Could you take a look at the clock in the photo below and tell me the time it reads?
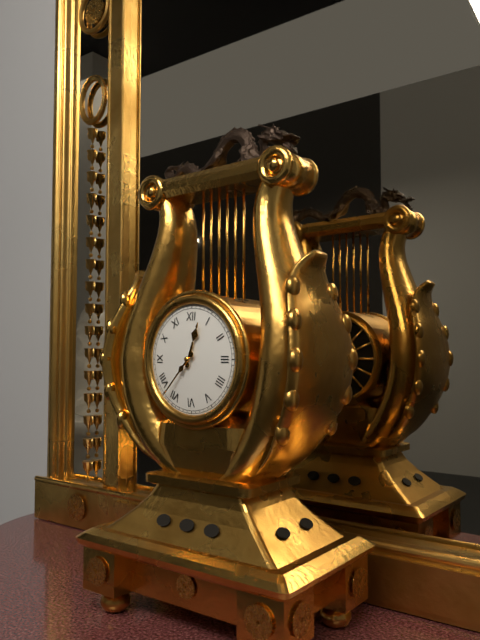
12:37
